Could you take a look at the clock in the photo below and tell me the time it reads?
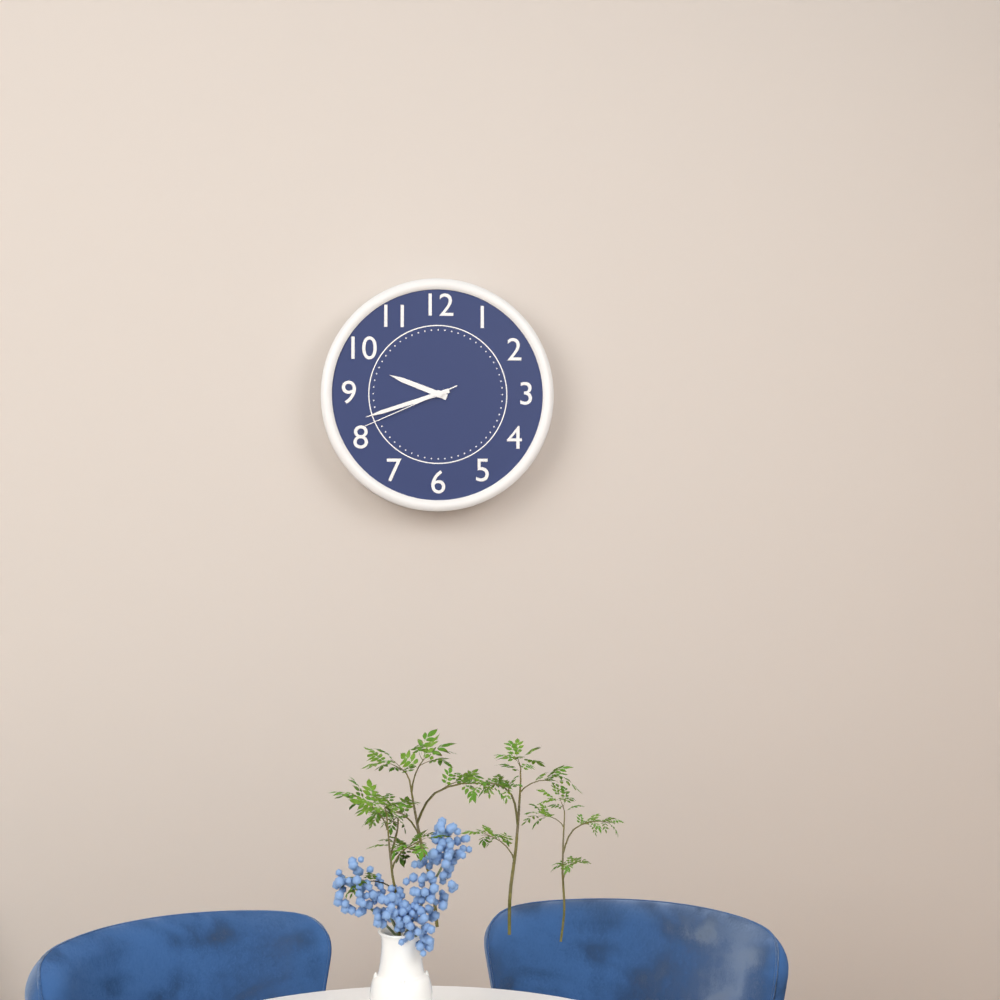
9:42:41
